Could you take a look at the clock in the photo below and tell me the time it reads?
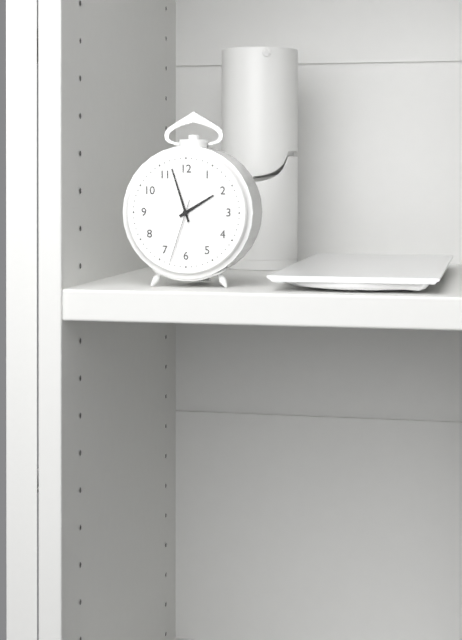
1:57:33
